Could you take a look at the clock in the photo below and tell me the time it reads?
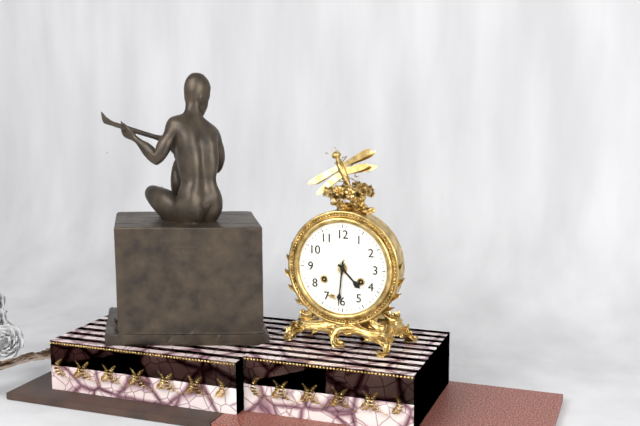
4:31
